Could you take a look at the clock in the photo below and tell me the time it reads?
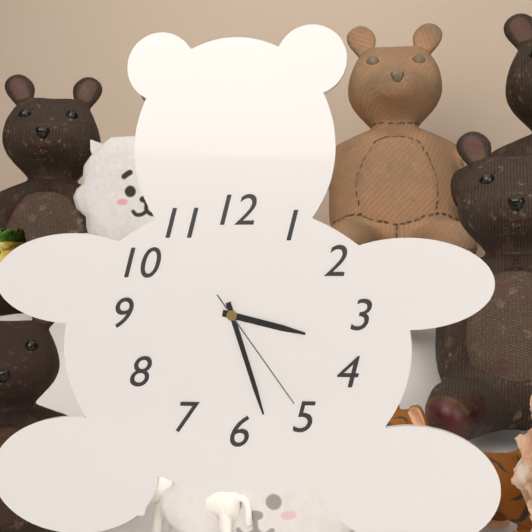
3:27:24
